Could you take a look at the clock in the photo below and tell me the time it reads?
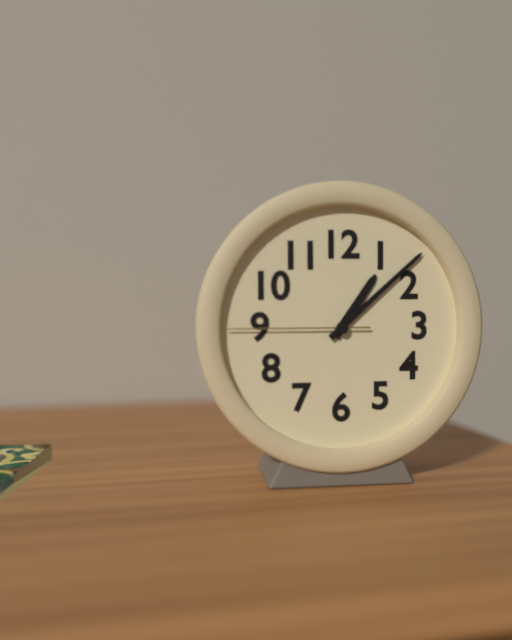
1:08:45
